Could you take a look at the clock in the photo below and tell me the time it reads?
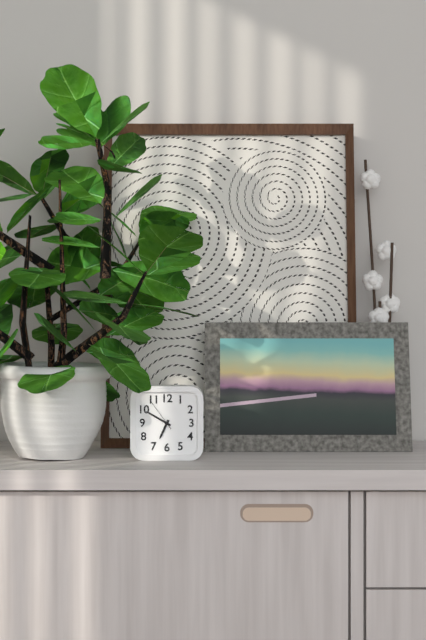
6:50
